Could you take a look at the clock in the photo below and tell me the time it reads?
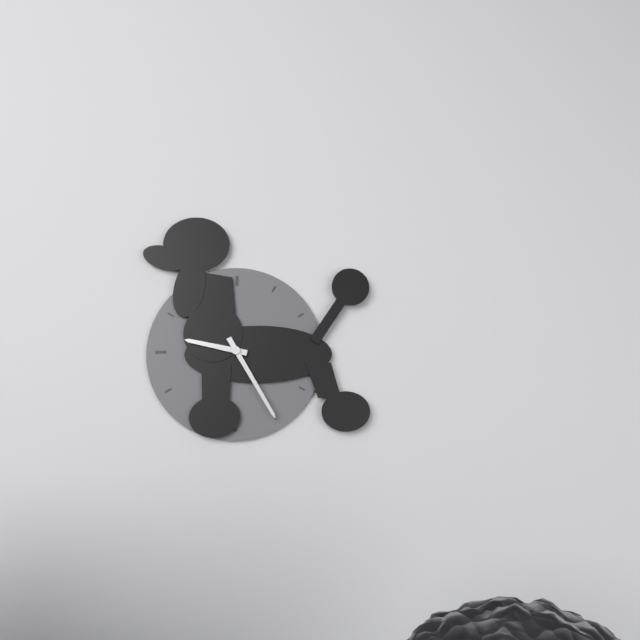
9:25
